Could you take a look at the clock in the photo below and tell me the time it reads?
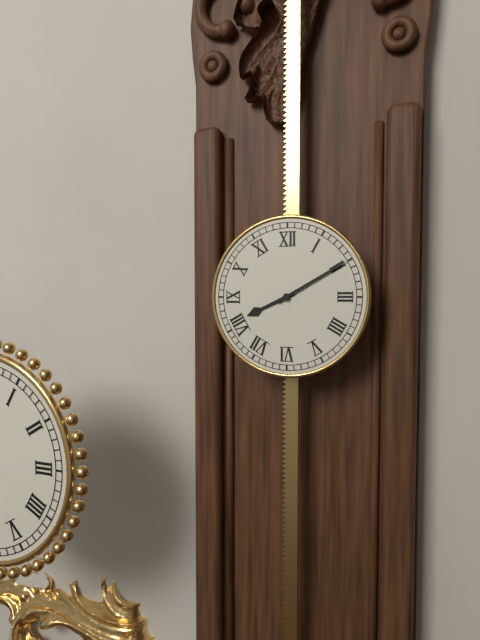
8:10
